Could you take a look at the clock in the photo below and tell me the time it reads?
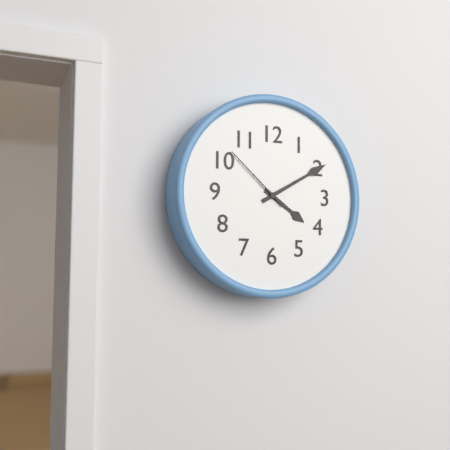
4:10:52
